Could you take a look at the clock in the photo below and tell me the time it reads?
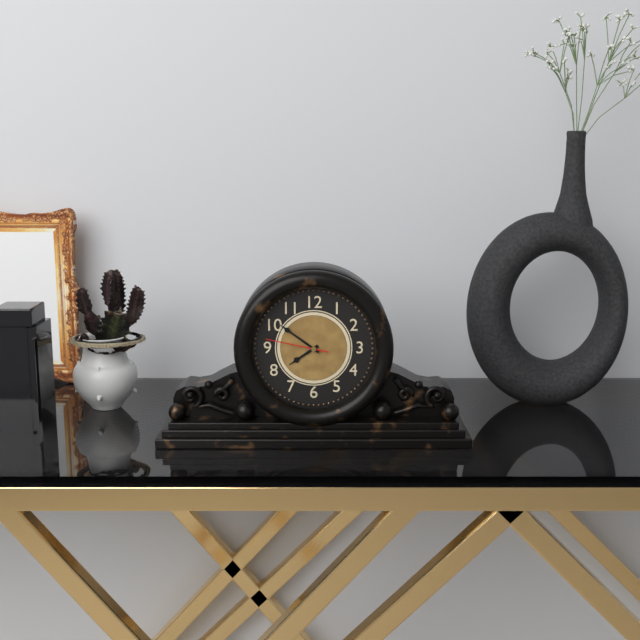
7:51:47
